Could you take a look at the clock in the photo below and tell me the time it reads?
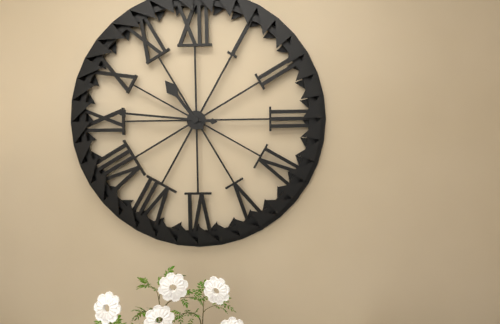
10:46
